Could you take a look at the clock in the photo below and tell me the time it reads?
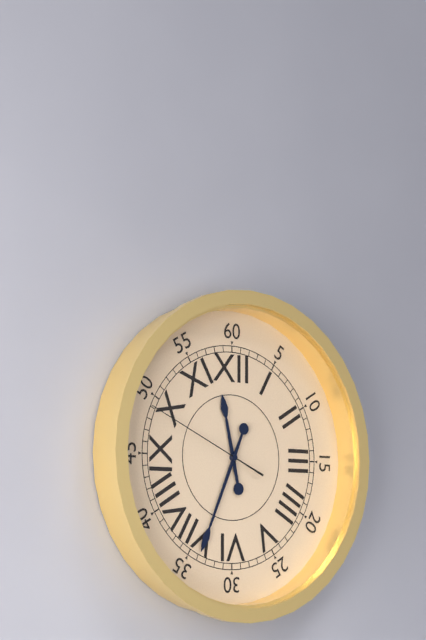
11:34:49
